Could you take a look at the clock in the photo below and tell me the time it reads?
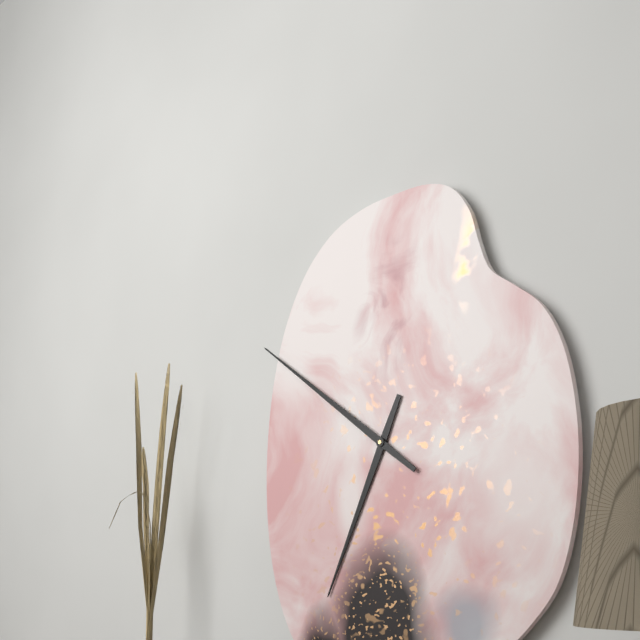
6:51
